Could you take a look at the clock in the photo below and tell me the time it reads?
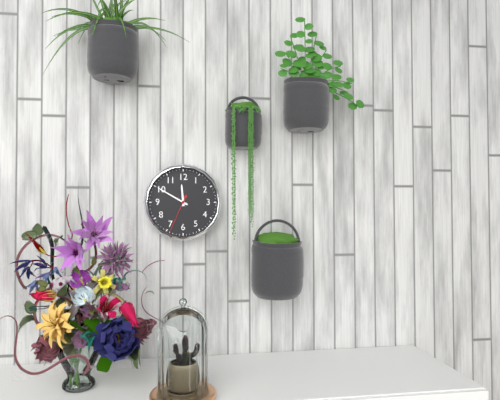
11:50
